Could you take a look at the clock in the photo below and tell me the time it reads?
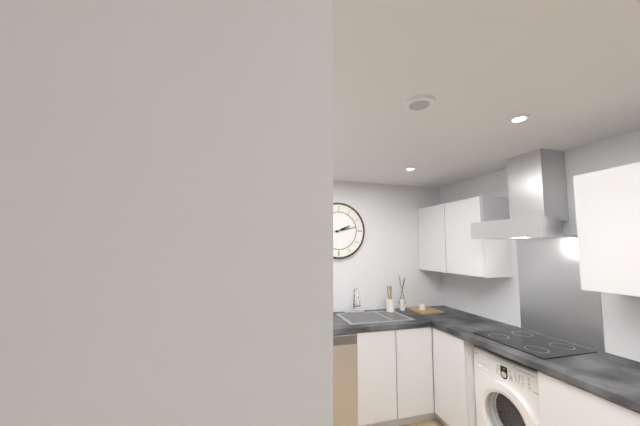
2:13
